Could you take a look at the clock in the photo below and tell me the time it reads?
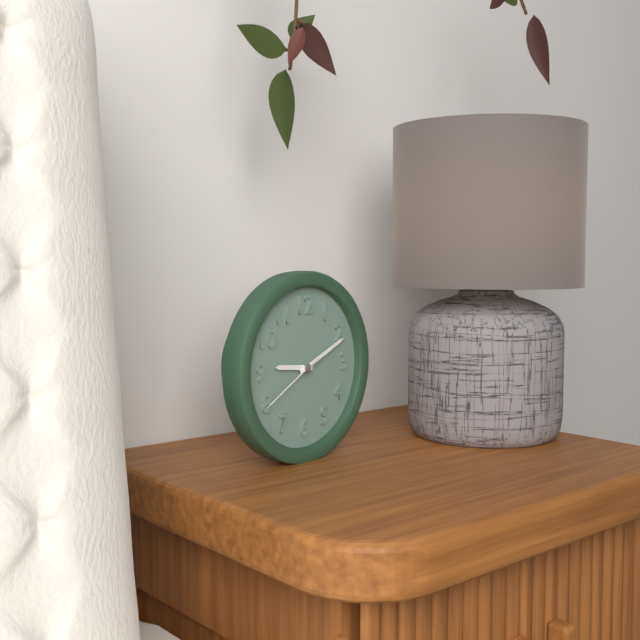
9:11:40
